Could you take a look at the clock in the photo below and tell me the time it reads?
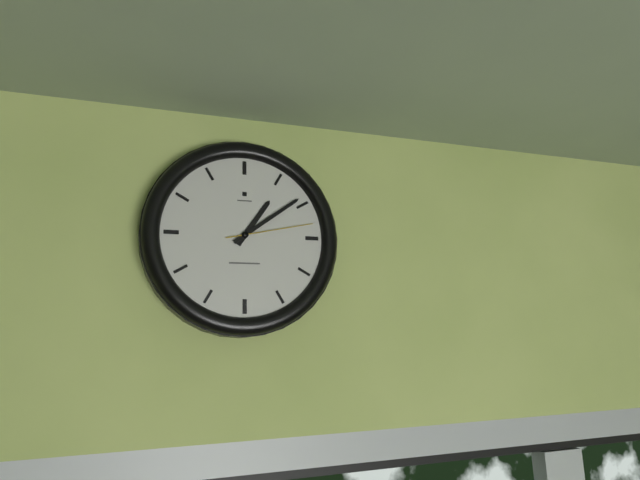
1:09:13
